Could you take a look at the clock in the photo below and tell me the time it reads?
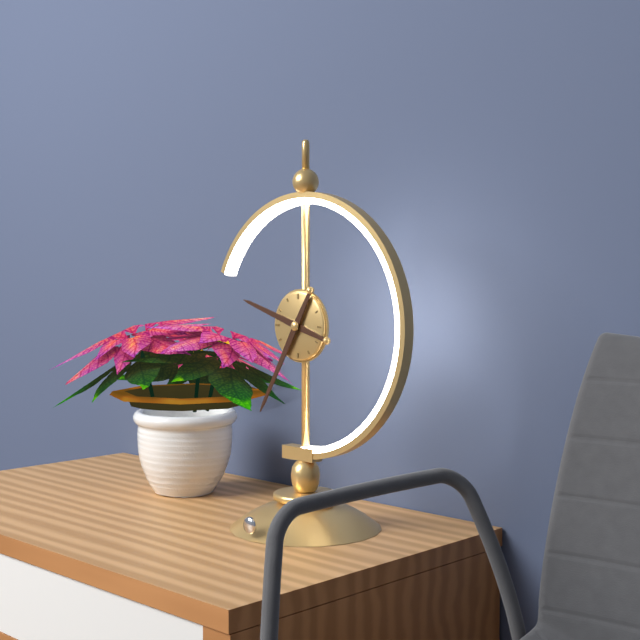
9:35
